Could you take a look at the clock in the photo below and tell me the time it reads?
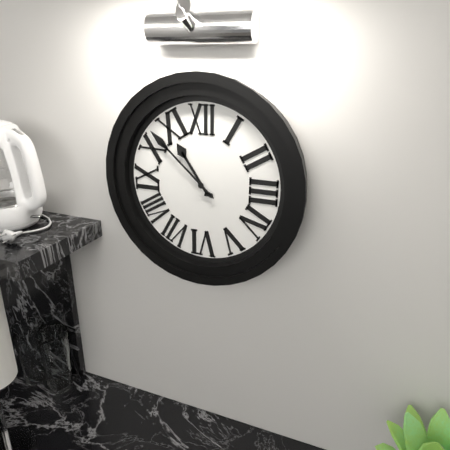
10:52
